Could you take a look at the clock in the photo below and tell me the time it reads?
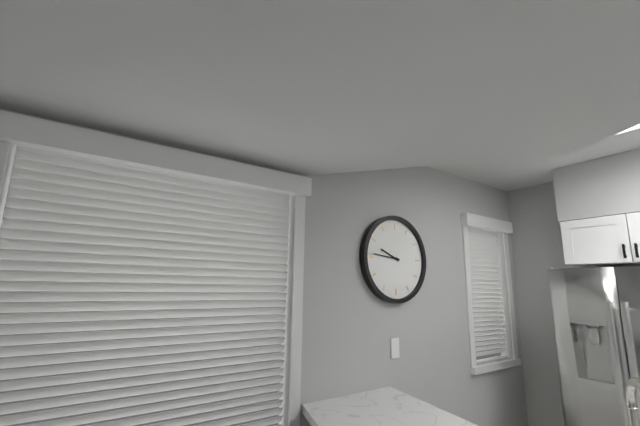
9:46
